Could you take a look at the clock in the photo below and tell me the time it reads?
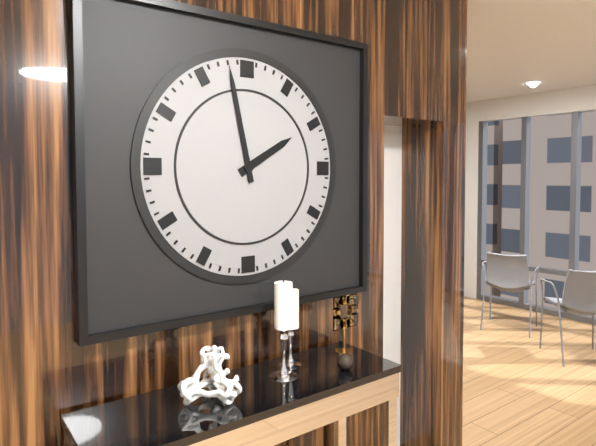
1:58
